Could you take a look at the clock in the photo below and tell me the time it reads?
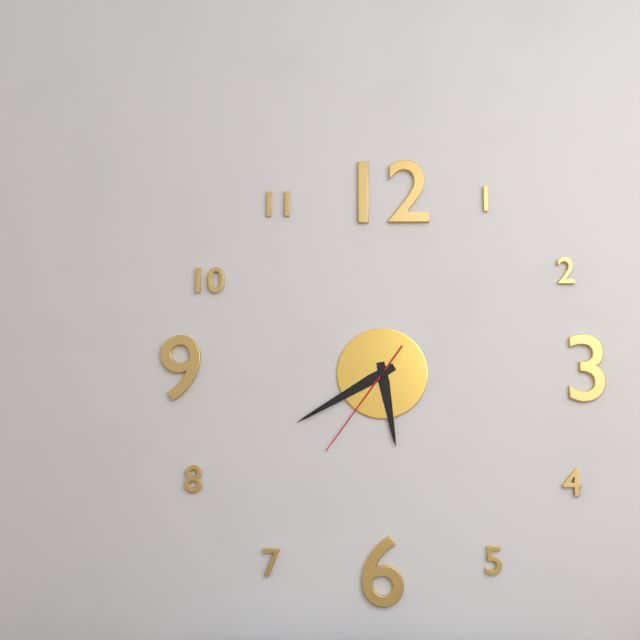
5:40:36
